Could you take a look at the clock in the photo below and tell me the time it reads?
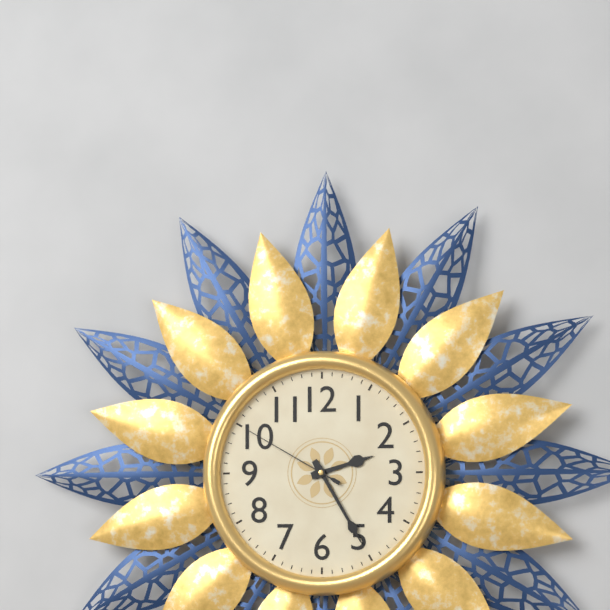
2:25:50
